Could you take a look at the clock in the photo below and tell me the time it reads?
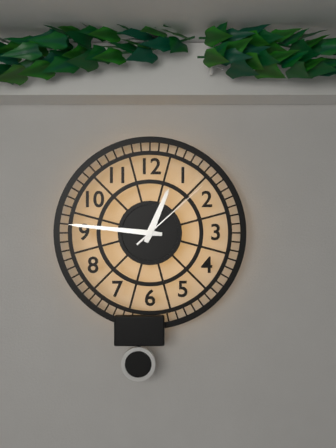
12:46:08
